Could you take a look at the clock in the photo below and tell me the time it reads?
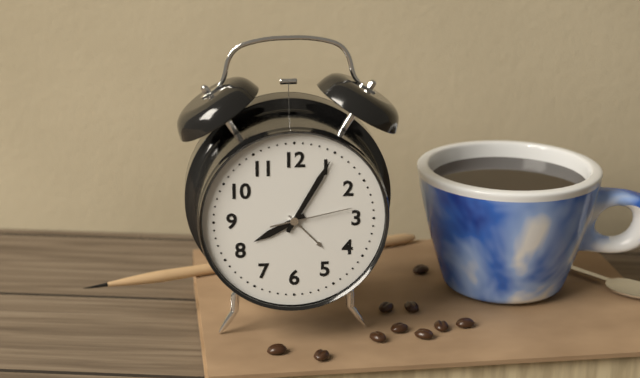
8:05:13
